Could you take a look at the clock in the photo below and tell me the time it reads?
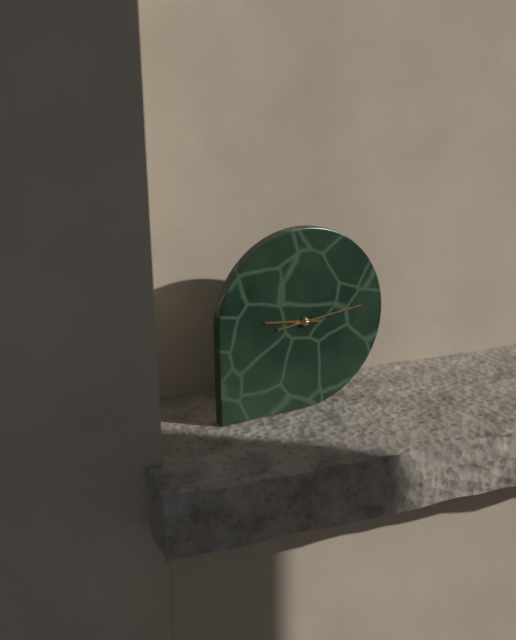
9:14
